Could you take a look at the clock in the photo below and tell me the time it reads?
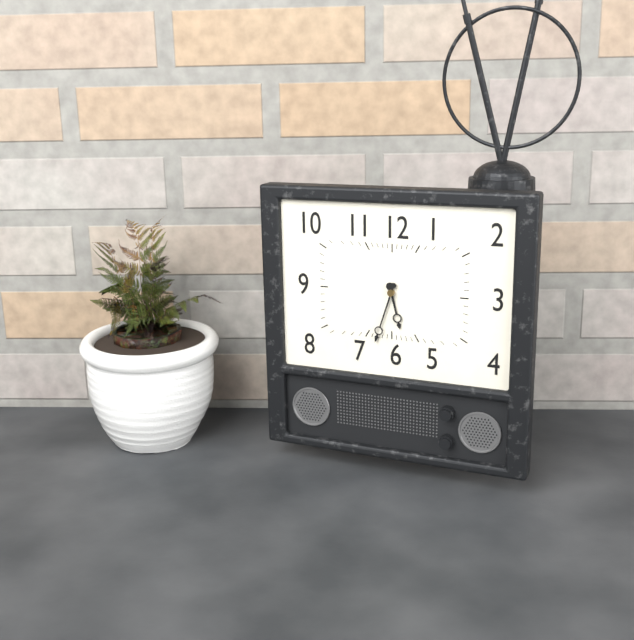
5:33
